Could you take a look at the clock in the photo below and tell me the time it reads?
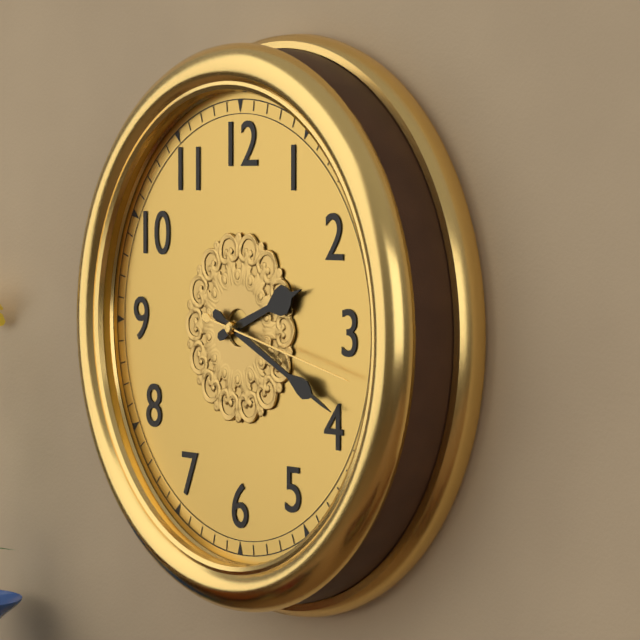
2:19:17
